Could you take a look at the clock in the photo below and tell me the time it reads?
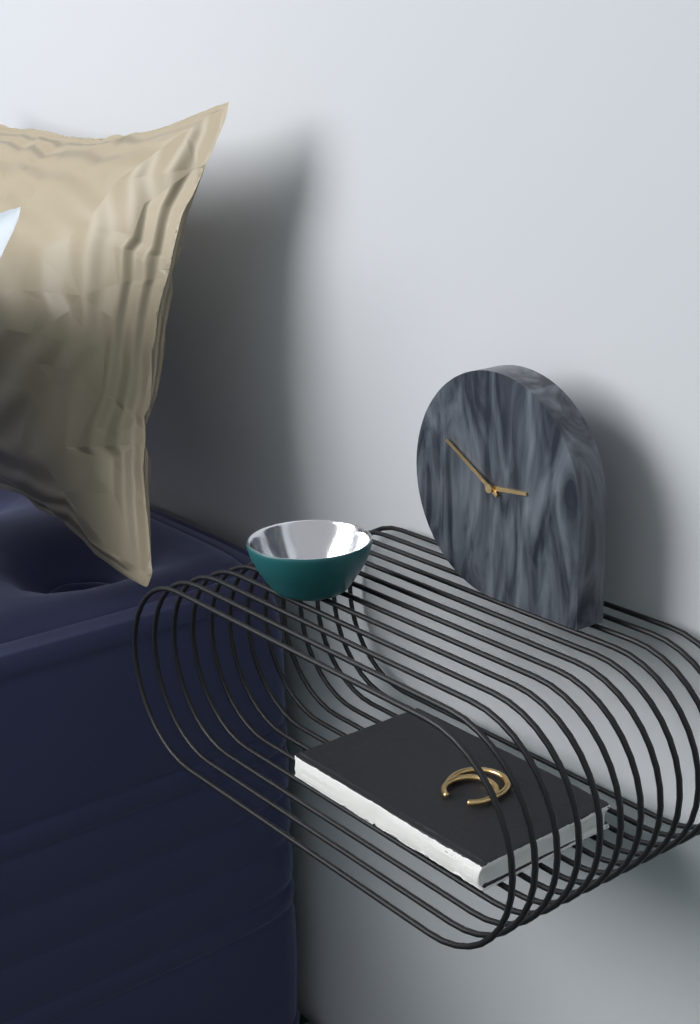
2:50
